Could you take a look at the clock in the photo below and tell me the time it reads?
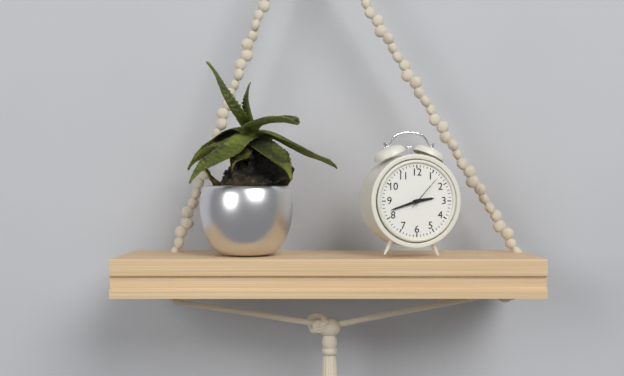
2:42
